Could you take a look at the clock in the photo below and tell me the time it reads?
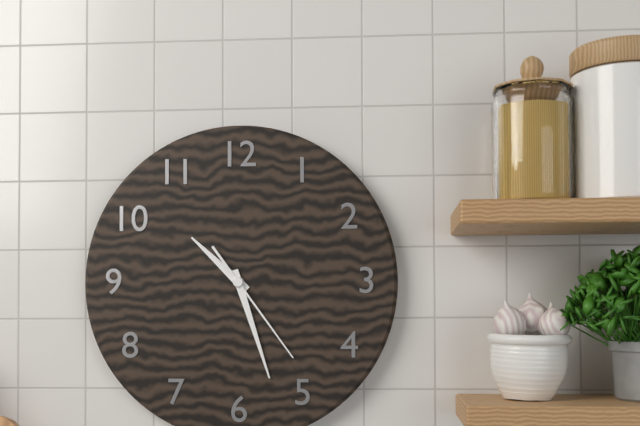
10:27:24
